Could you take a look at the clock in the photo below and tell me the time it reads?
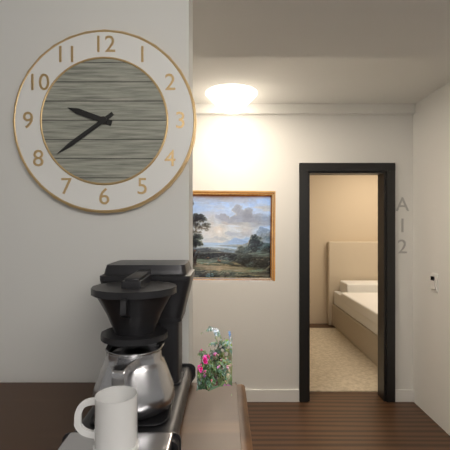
9:39
